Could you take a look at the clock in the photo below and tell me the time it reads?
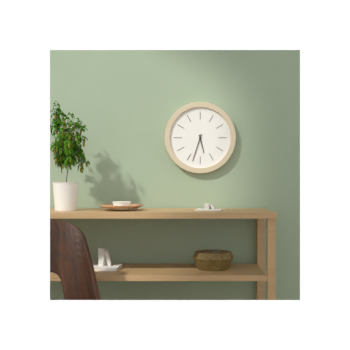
5:33
